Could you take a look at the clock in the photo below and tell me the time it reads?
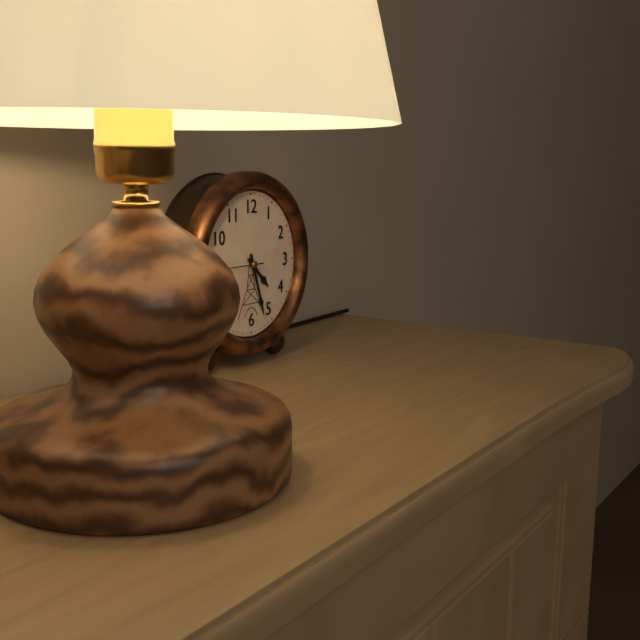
4:27
